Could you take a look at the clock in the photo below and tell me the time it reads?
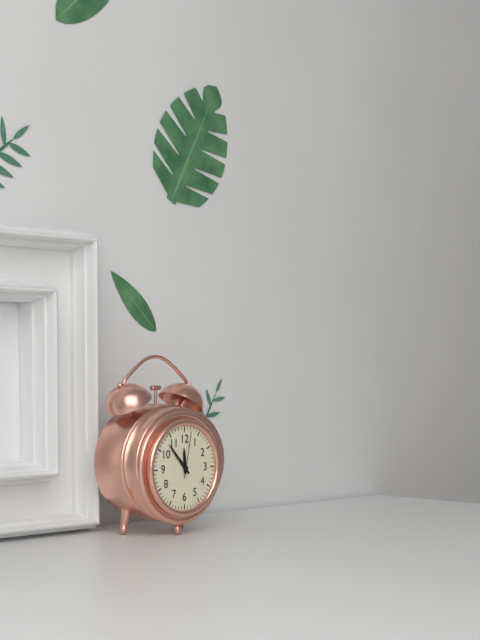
11:53
